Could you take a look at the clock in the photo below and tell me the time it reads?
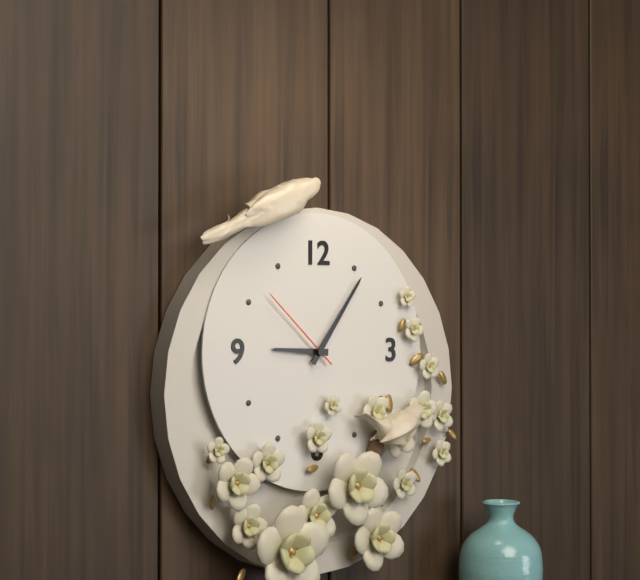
9:06:52
